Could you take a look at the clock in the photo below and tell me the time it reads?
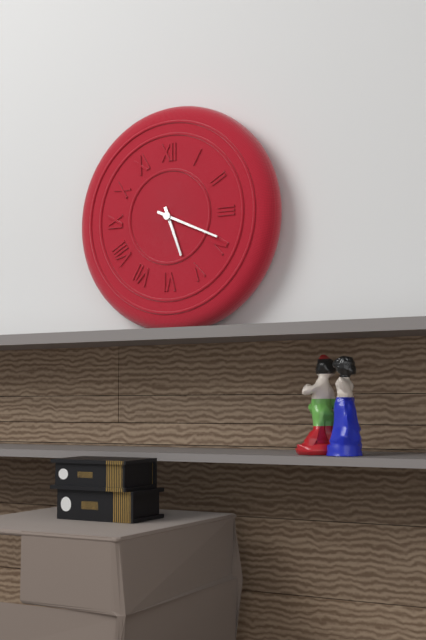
5:19
